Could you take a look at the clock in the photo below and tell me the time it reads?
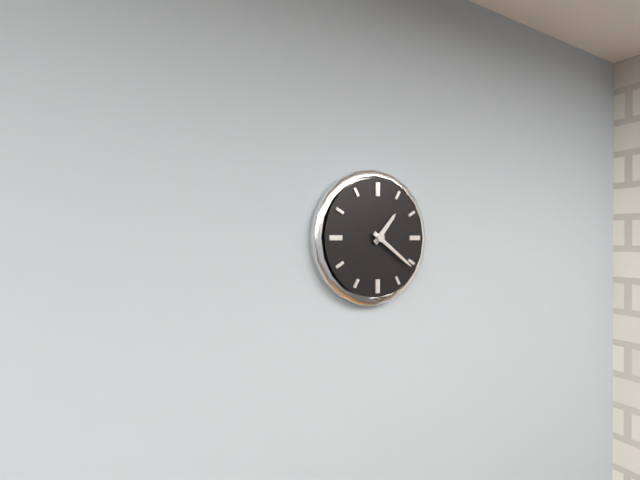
1:21
